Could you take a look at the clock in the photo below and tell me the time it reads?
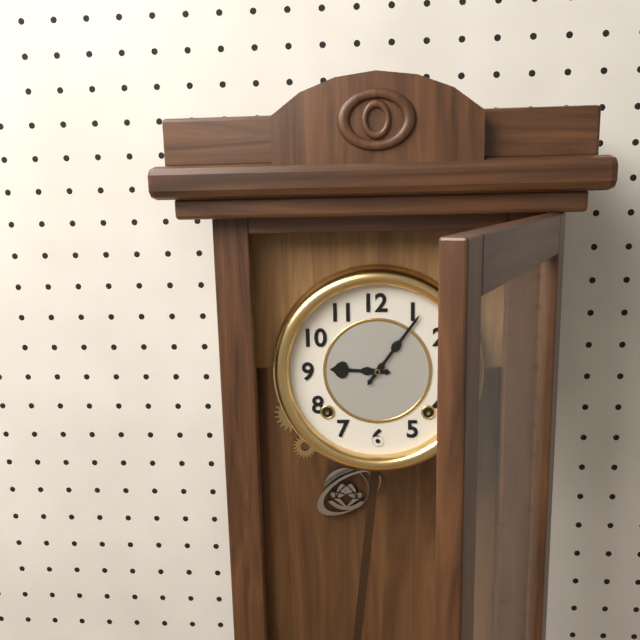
9:06
